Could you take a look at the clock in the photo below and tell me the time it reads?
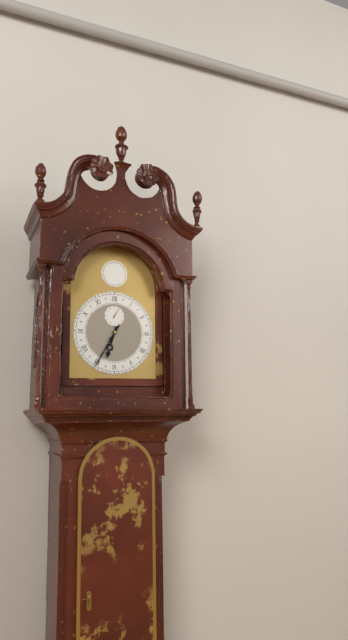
6:35
